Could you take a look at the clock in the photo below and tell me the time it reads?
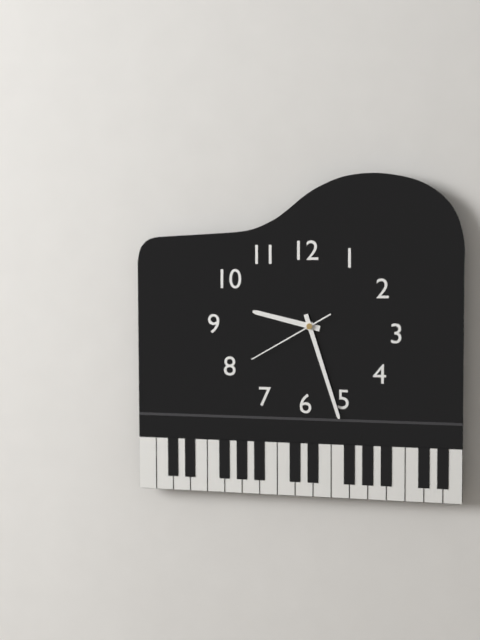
9:27:40
